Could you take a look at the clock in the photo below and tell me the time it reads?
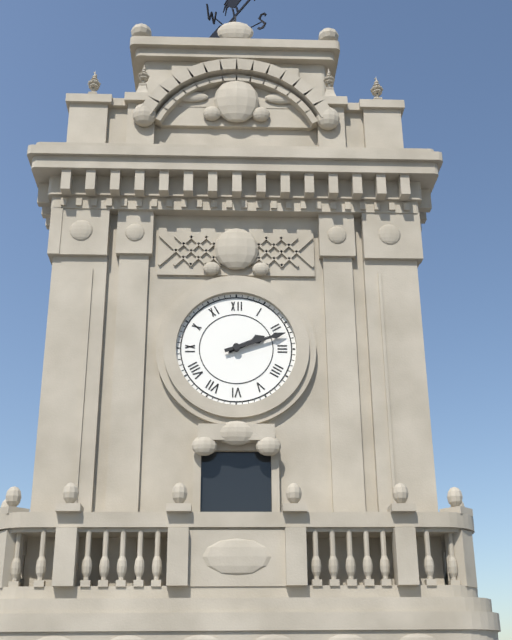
2:12
